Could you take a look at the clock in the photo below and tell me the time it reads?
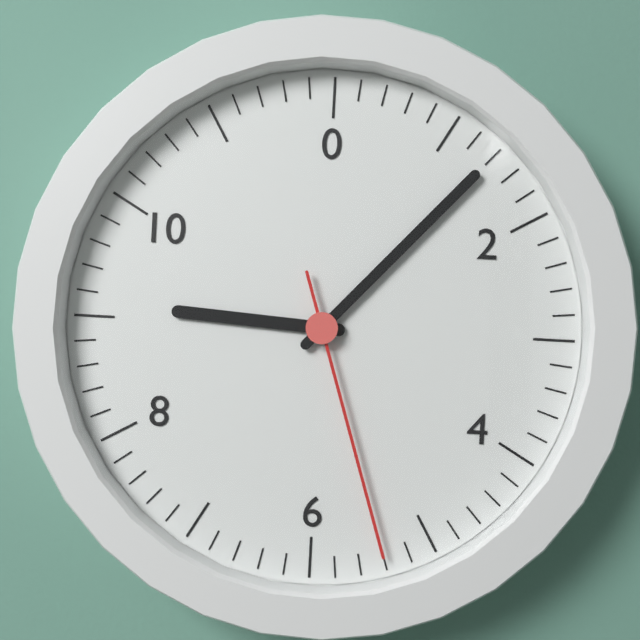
9:07:27
